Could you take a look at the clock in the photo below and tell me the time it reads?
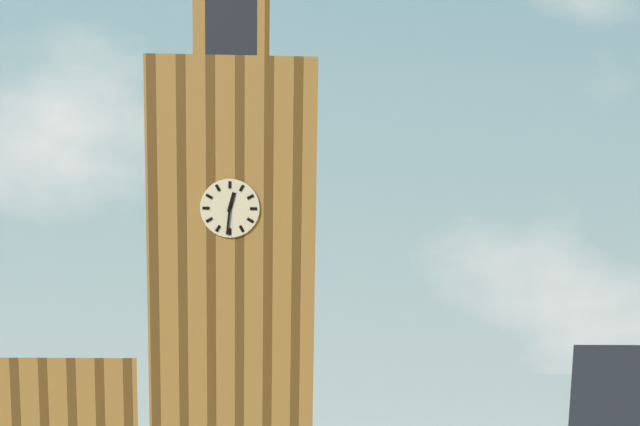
12:31
